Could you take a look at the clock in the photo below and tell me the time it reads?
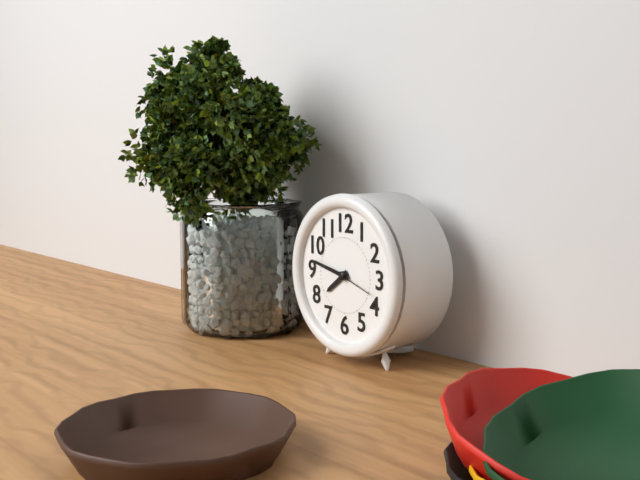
7:47
